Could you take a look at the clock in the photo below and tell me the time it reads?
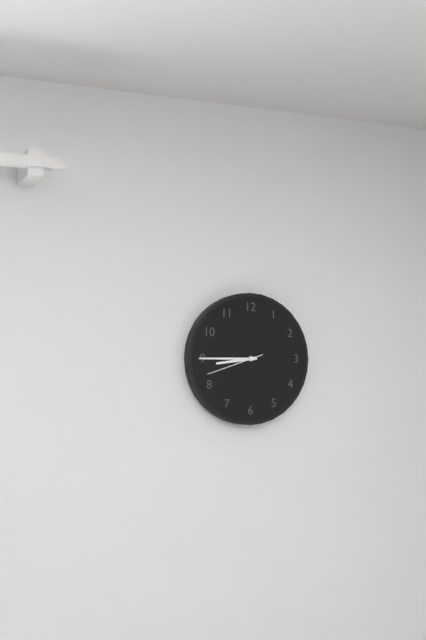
8:45:42
